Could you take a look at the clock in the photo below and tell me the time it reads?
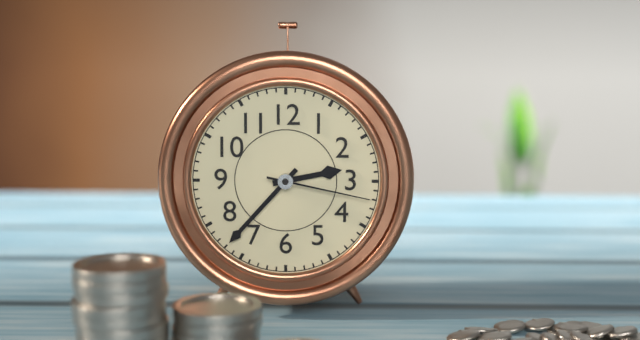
2:37:17
